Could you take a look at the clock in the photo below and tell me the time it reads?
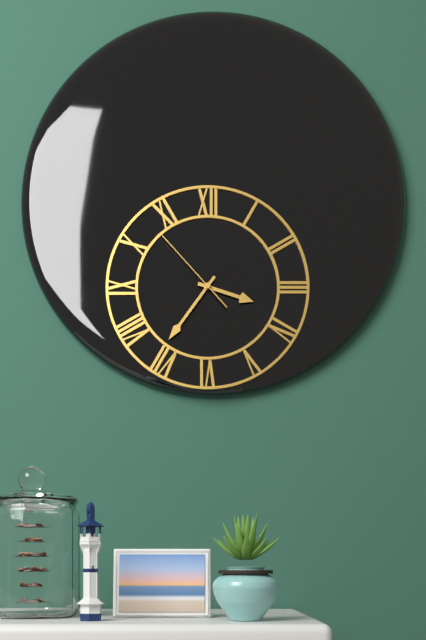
3:36:53
